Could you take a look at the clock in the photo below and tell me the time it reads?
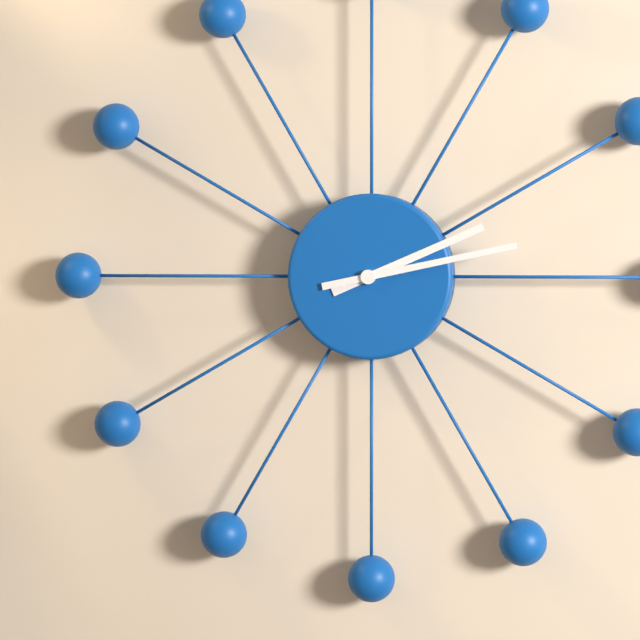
2:13
